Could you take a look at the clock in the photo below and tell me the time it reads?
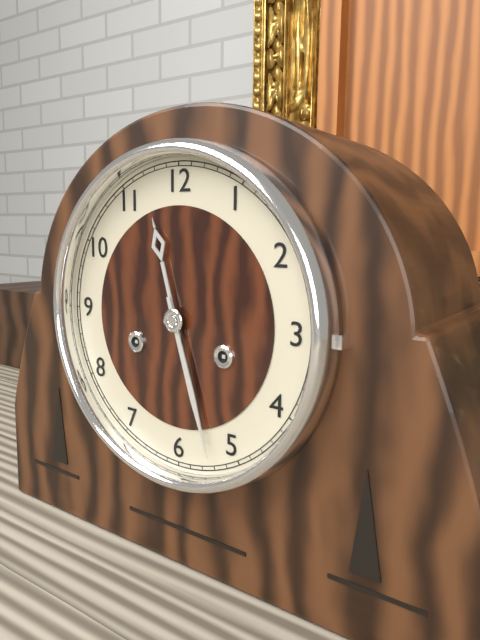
11:27
